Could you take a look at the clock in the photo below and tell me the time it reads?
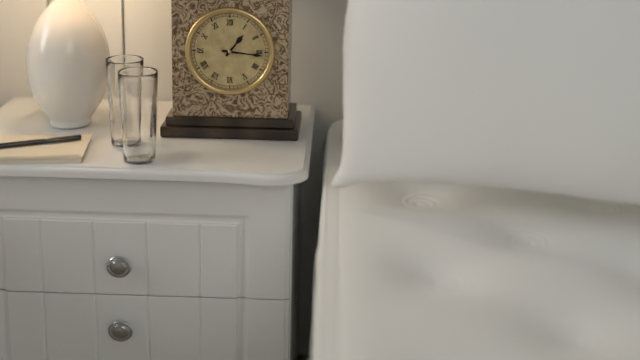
1:16
